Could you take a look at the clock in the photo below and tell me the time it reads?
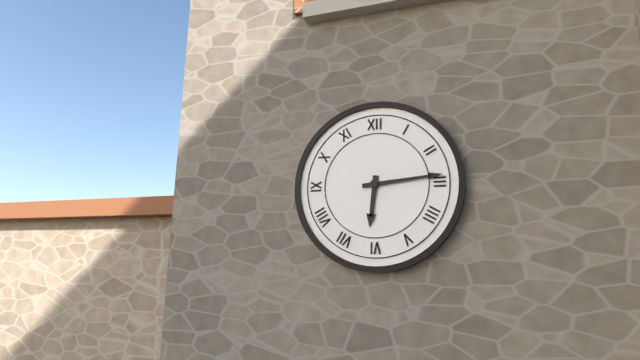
6:14
